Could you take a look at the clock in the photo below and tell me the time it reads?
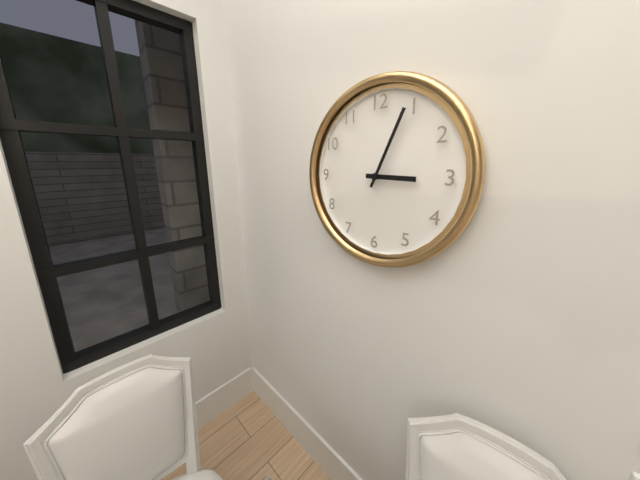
3:04
